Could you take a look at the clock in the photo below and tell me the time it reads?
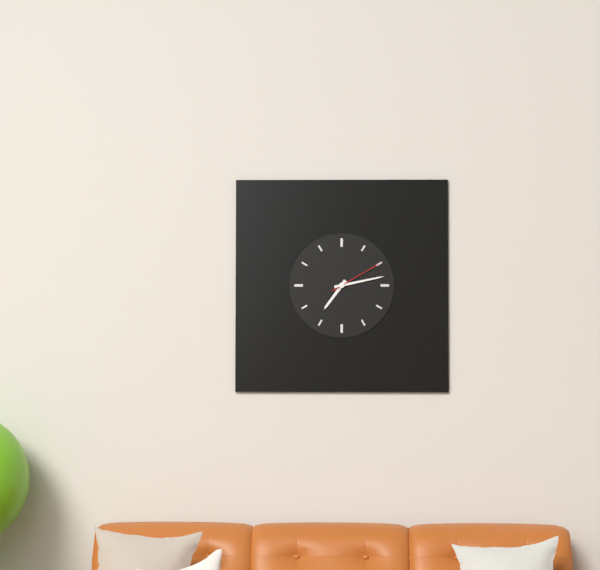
7:13:10
